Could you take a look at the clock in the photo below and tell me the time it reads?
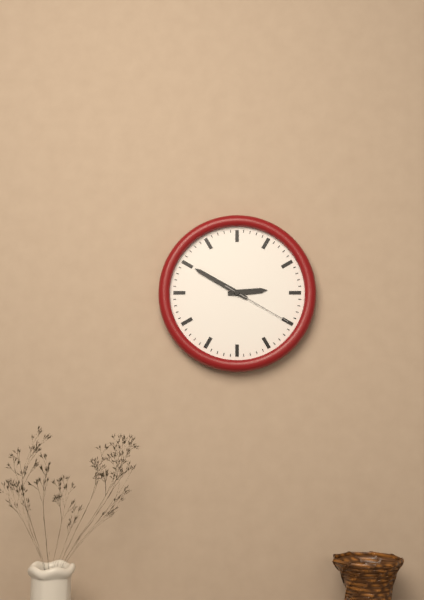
2:50:20
